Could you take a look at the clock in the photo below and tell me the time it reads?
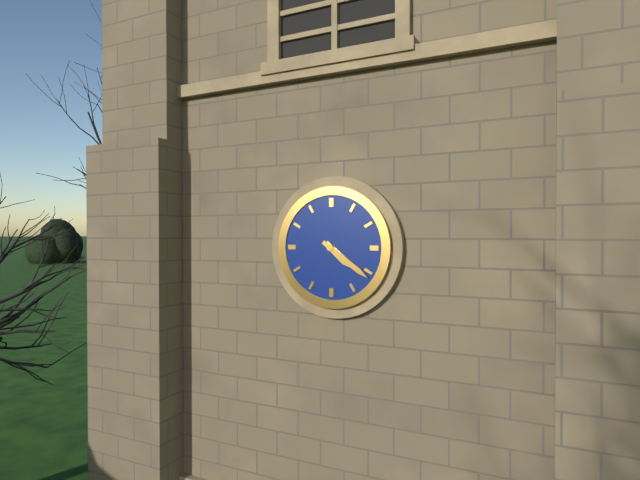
4:21
